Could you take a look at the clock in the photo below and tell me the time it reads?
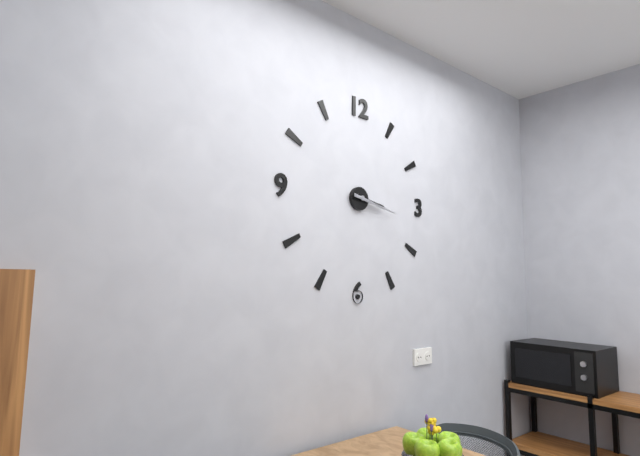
3:17
